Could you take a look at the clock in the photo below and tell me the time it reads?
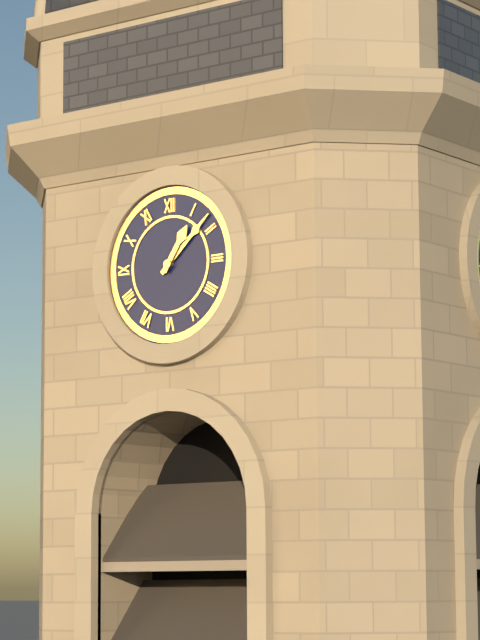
1:08
